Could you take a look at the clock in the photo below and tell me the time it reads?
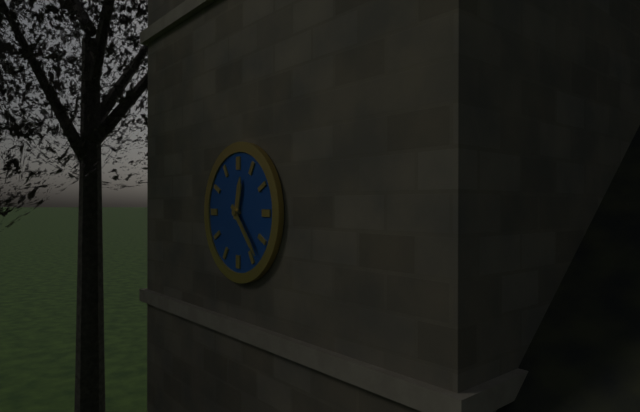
12:23
